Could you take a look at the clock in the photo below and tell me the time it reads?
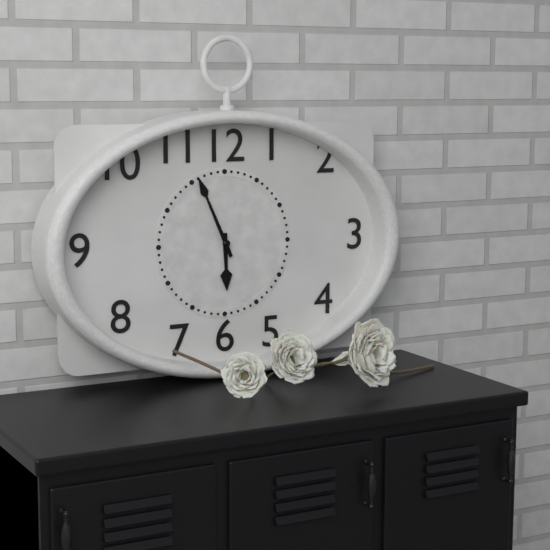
5:56
